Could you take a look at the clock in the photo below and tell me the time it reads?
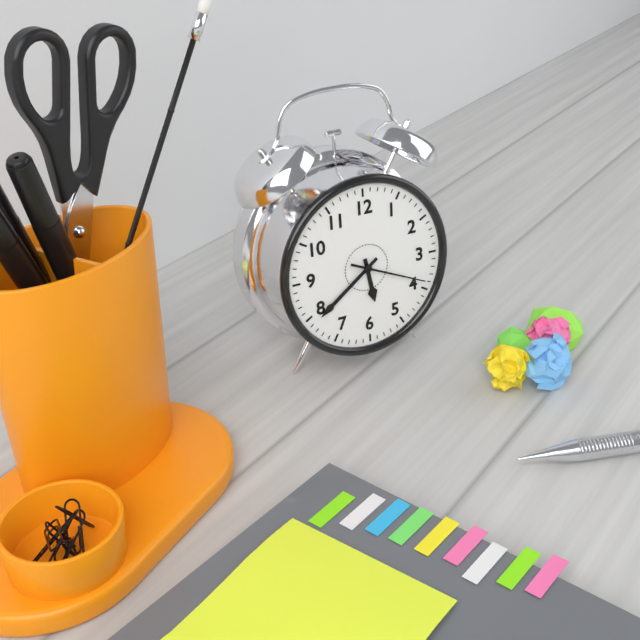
5:39:19
